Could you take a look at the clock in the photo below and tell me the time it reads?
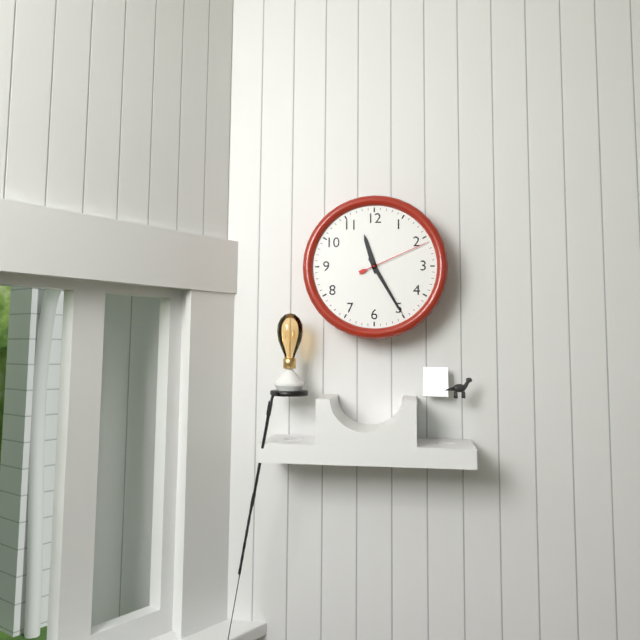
11:25:11
